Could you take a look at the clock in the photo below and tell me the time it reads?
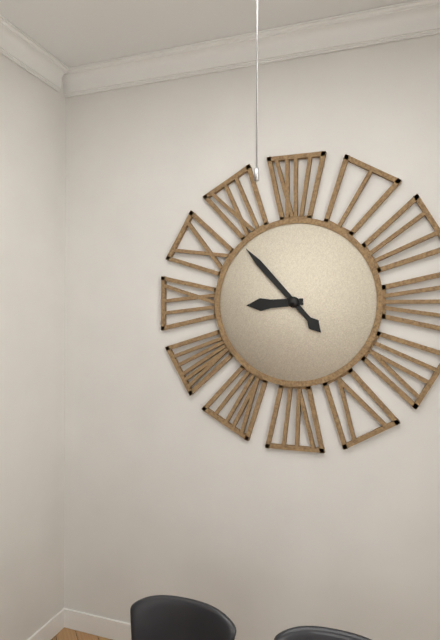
8:53
